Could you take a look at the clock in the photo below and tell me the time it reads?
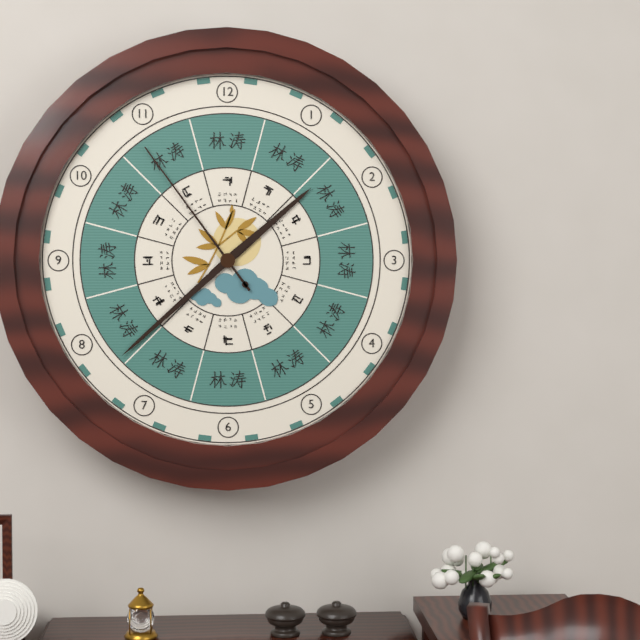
1:38:54
